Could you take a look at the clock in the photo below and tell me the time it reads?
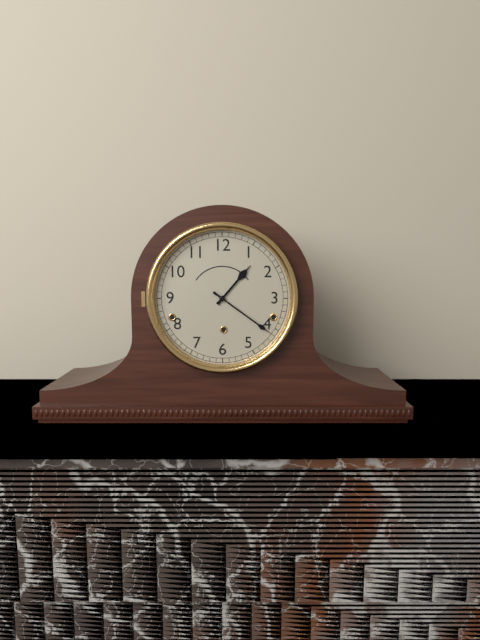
1:21
